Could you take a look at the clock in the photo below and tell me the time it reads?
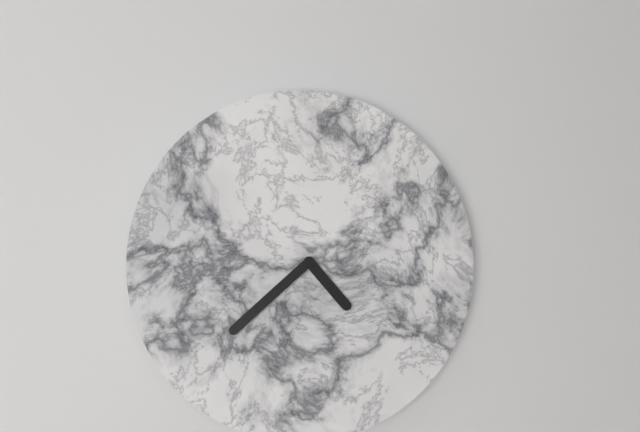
4:38
